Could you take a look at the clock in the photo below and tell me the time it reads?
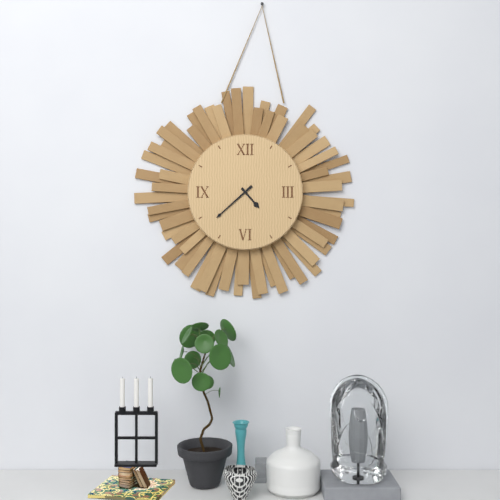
4:38
